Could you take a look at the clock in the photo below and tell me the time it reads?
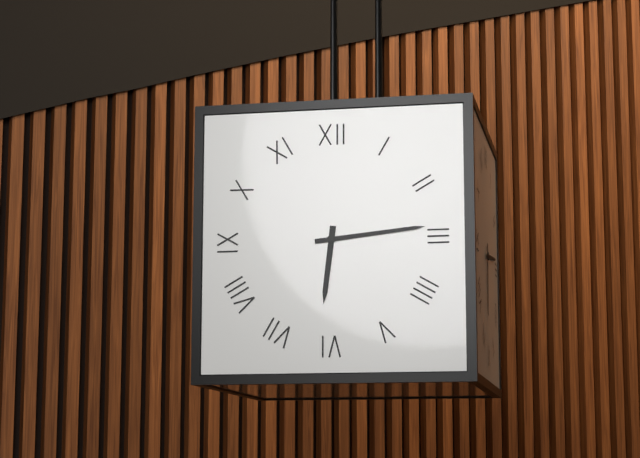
6:14
